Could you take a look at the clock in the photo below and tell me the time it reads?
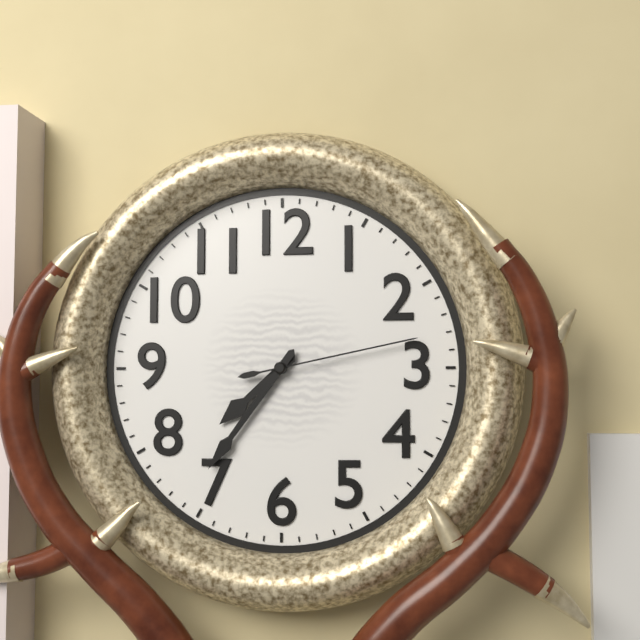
7:36:13
